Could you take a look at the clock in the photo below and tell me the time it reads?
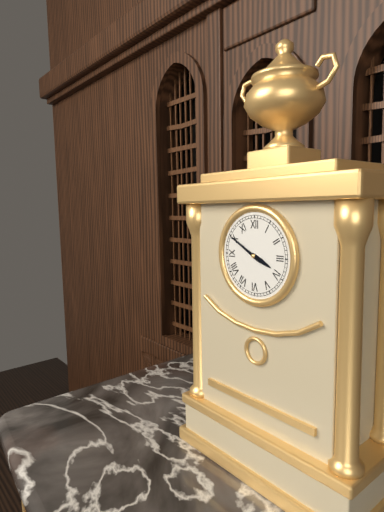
3:50
